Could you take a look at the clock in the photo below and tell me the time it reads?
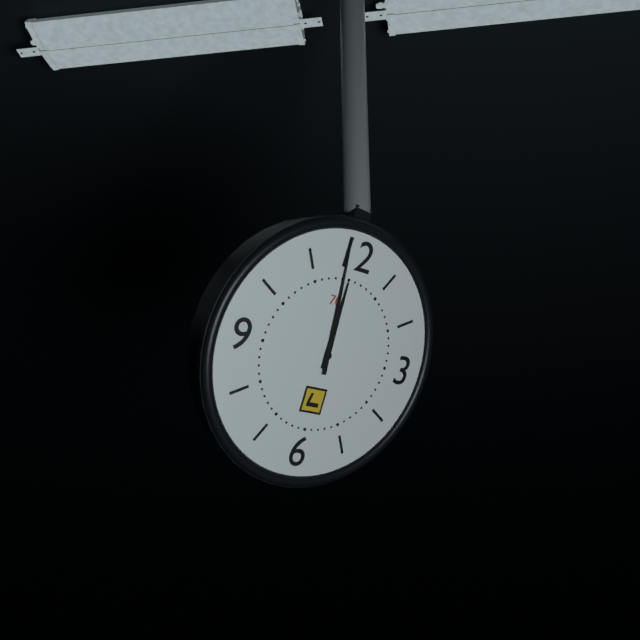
11:59
